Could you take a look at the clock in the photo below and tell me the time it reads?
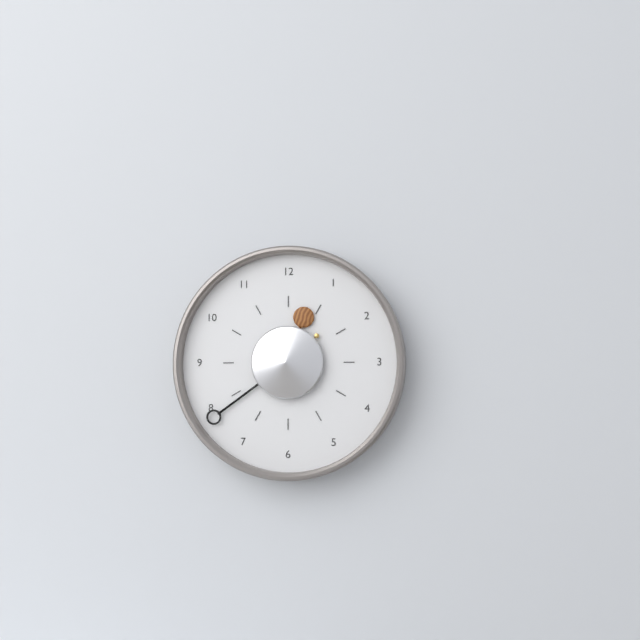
12:39
